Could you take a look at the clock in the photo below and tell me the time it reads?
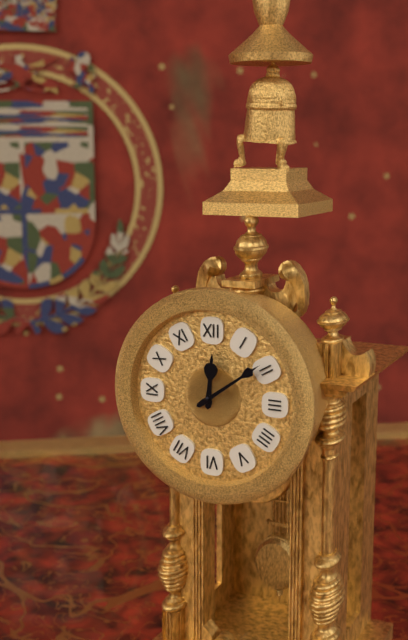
12:09
